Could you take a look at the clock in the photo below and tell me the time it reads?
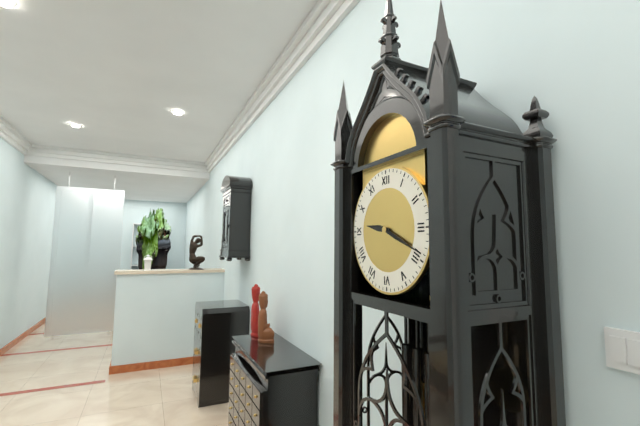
9:19
